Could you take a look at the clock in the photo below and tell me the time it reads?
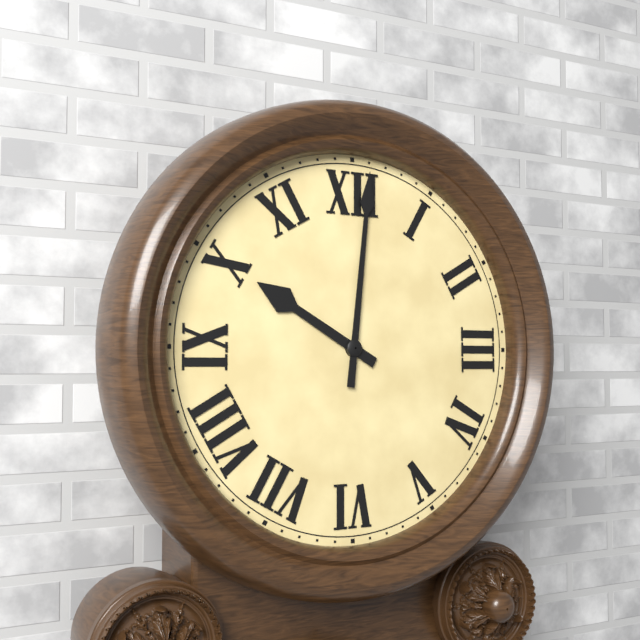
10:01
